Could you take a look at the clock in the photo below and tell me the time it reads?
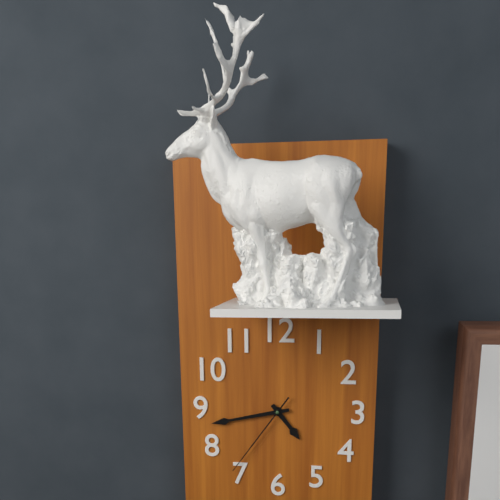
4:43:36
